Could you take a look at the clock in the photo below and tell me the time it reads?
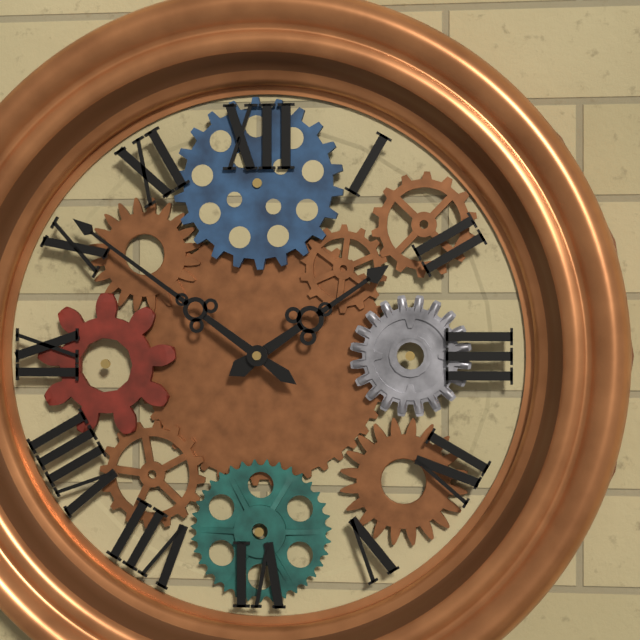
1:51
